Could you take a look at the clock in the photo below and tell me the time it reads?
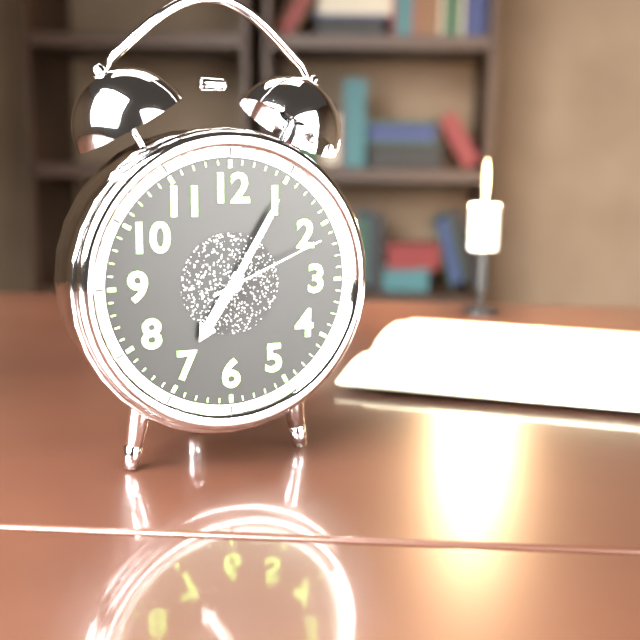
7:05:11
